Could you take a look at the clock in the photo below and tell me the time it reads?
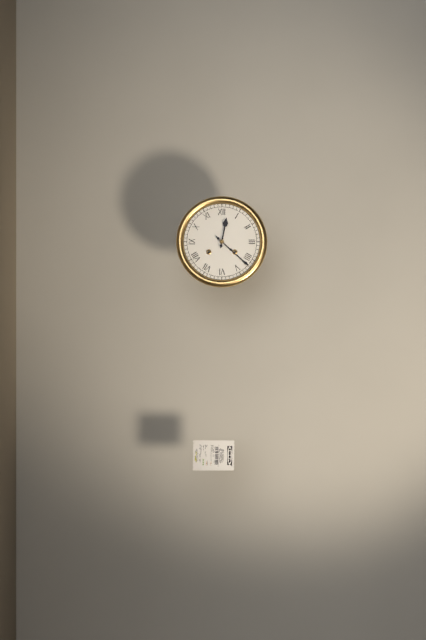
12:22
